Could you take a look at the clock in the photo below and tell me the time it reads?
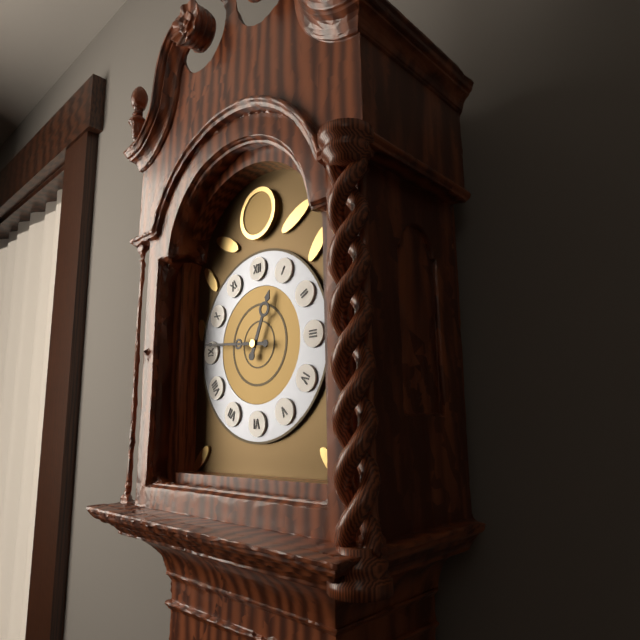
12:46
